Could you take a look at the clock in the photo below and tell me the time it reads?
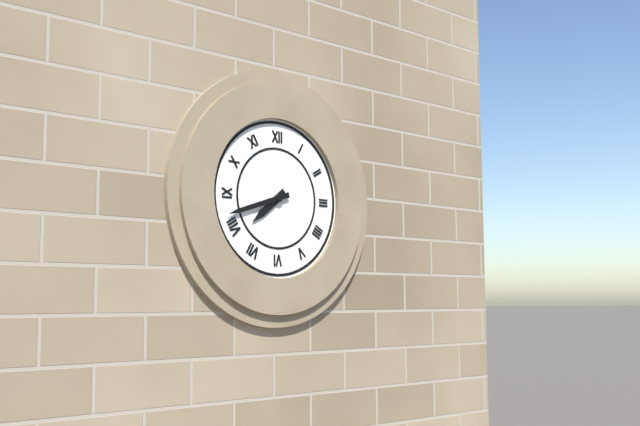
7:42
